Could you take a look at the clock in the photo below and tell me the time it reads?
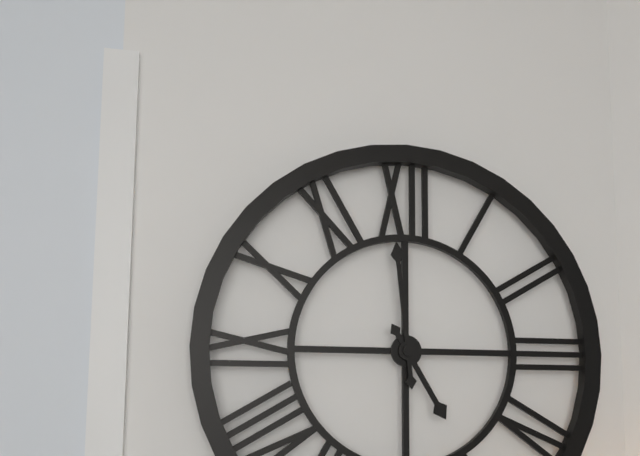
4:59
